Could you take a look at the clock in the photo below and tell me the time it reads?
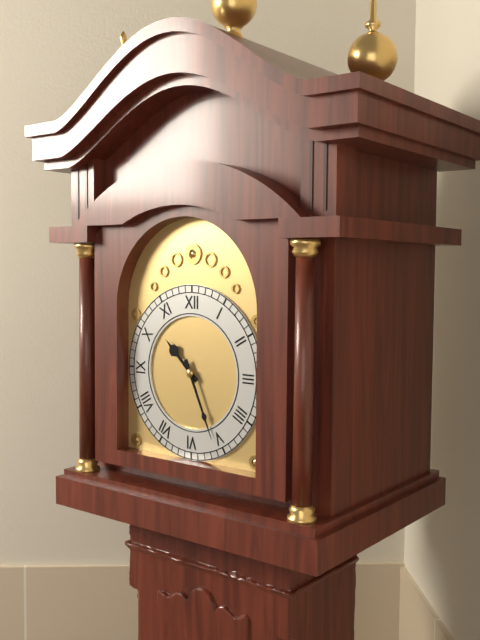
10:26
